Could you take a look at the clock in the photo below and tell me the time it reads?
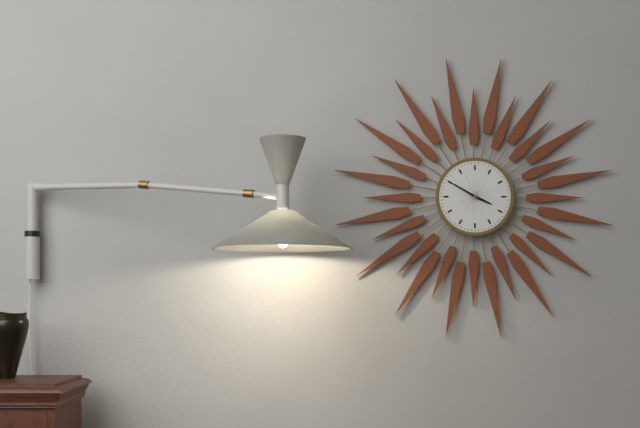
3:50
